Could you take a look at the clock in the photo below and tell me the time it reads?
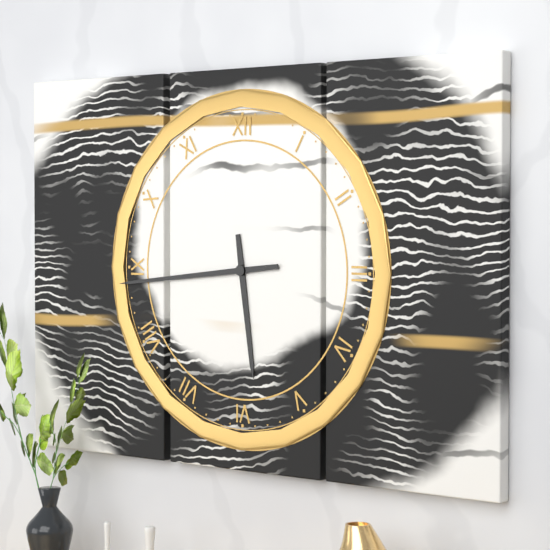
5:44
